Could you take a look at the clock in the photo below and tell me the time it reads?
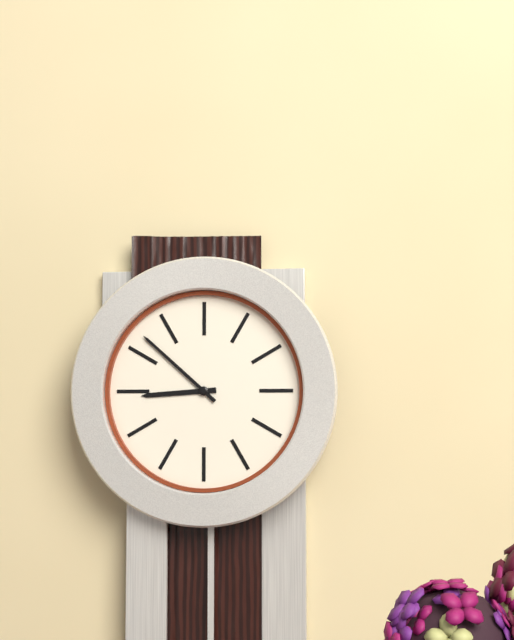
8:52
